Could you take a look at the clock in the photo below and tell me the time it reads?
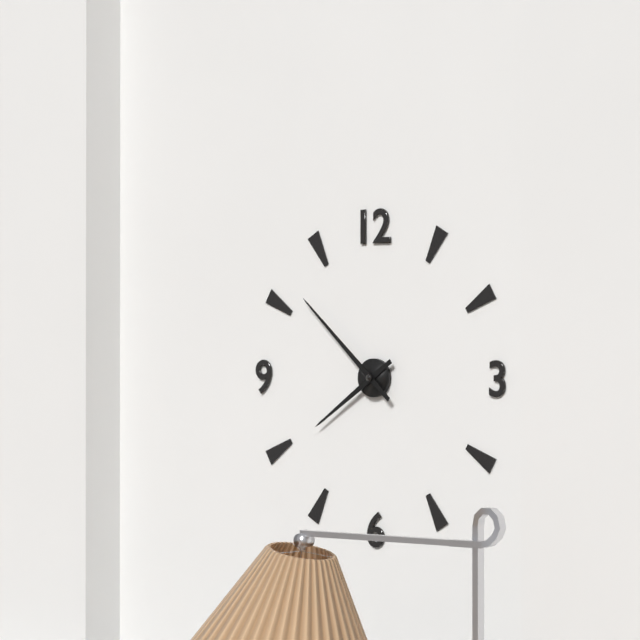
7:52
